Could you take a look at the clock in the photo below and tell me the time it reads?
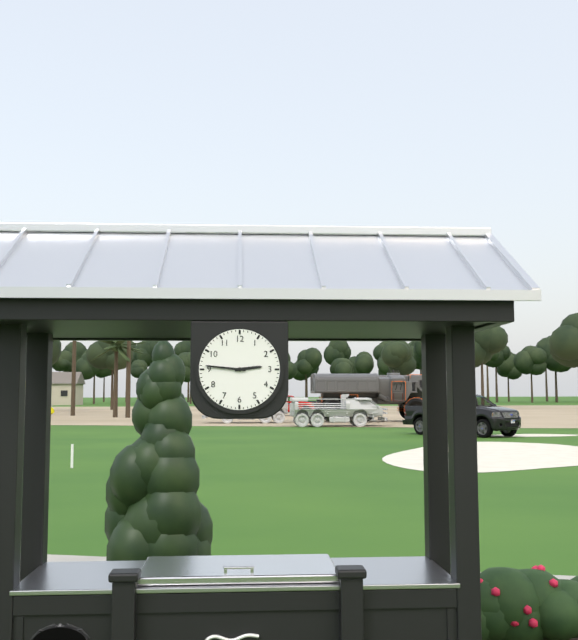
2:46
